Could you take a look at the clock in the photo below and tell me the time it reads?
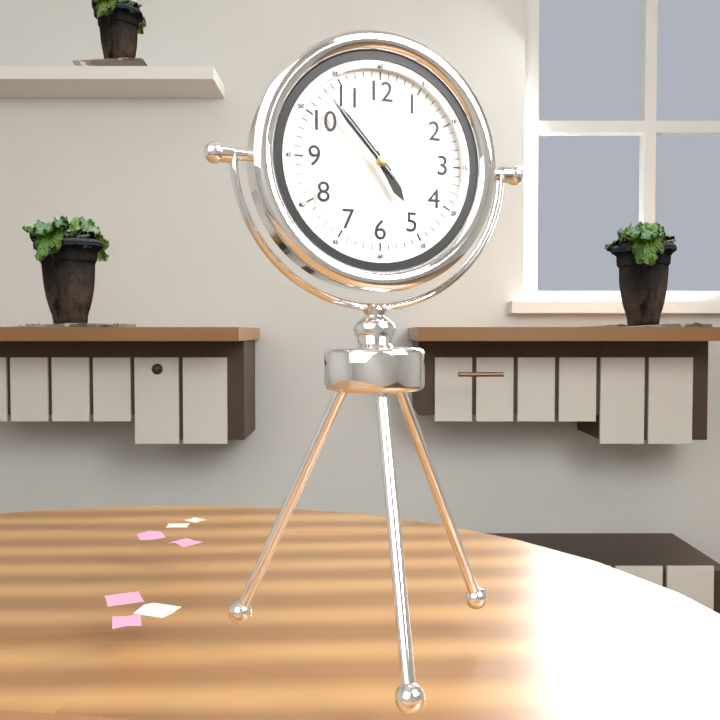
4:53:53
